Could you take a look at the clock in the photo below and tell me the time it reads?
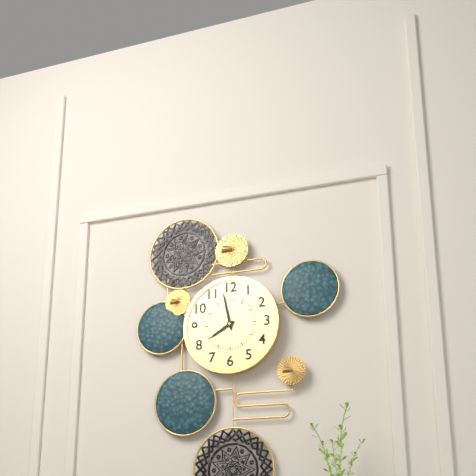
7:58
